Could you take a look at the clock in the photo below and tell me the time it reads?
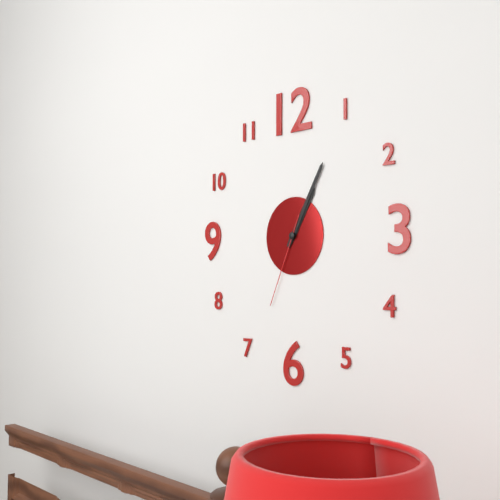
1:05:34
